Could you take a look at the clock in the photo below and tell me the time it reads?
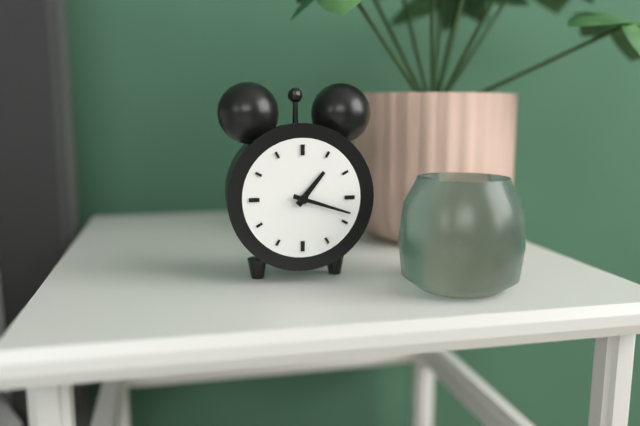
1:18
